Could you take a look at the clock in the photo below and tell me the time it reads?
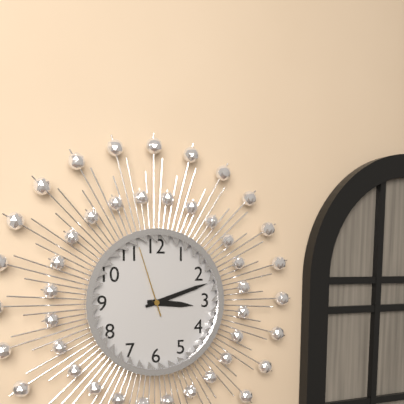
3:12:57
